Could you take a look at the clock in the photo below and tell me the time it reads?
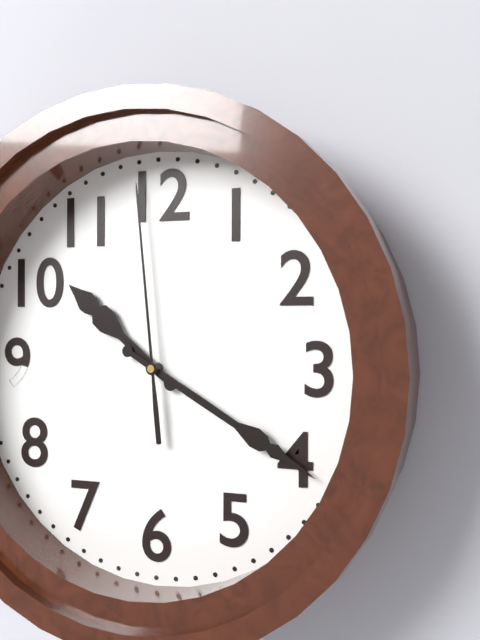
10:20:59
